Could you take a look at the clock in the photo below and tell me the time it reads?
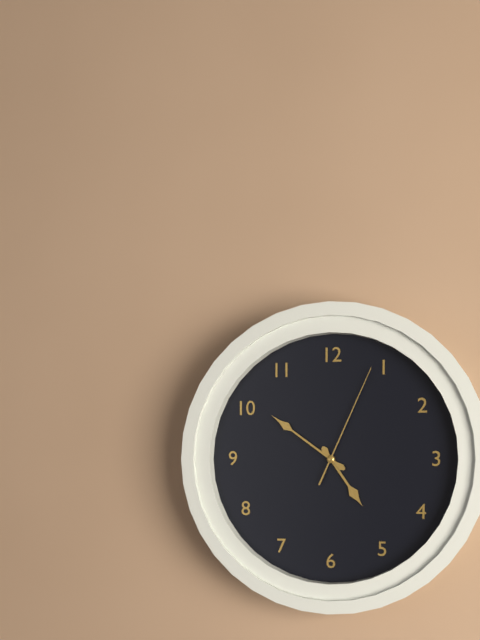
4:51:04
